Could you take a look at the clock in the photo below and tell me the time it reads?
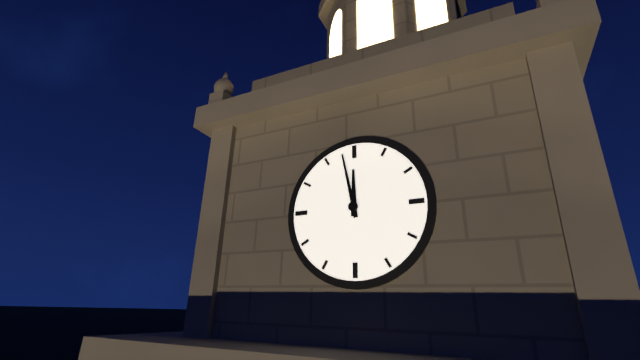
11:58
